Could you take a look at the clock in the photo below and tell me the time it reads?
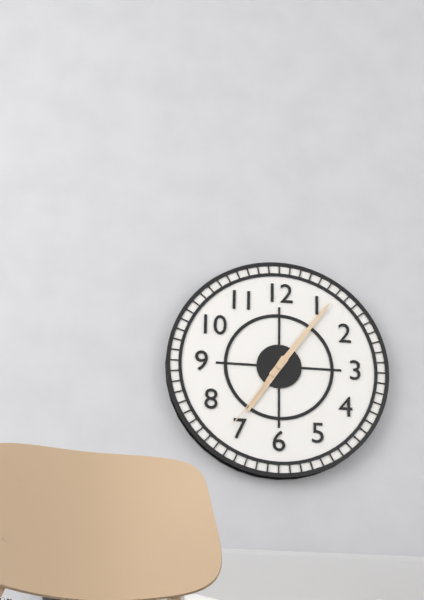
7:06:36
